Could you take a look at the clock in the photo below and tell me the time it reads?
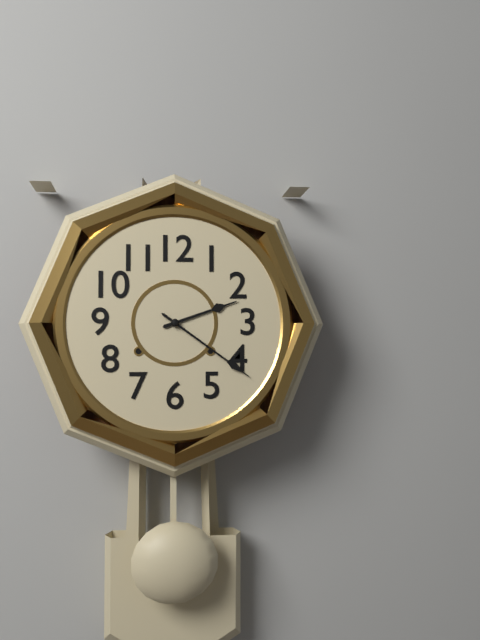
2:21
